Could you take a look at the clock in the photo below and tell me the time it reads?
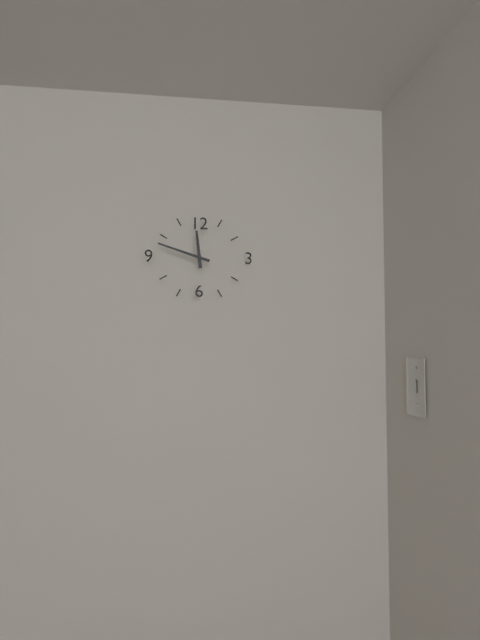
11:48
